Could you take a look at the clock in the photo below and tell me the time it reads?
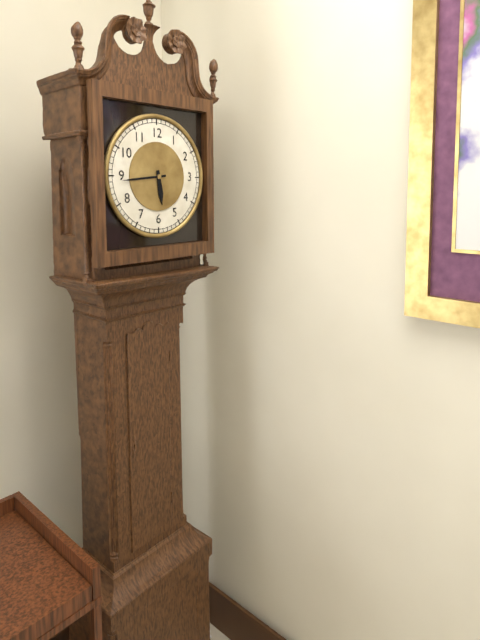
5:44
